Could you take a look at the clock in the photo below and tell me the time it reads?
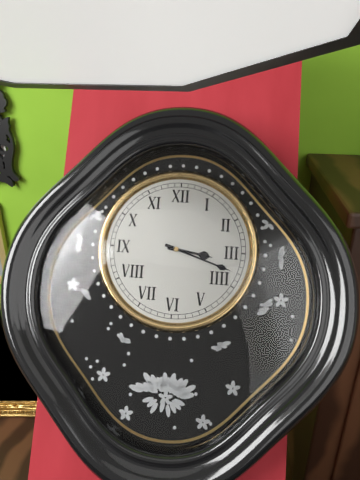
3:18
